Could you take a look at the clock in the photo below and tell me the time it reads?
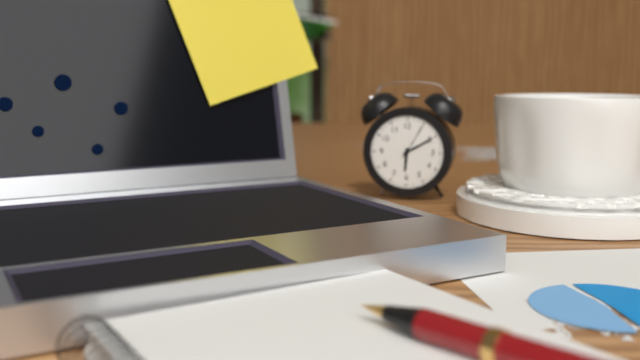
6:10
